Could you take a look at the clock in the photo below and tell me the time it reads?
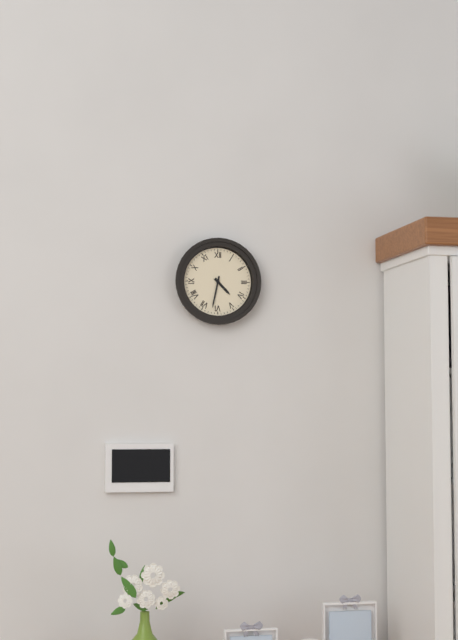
4:32
